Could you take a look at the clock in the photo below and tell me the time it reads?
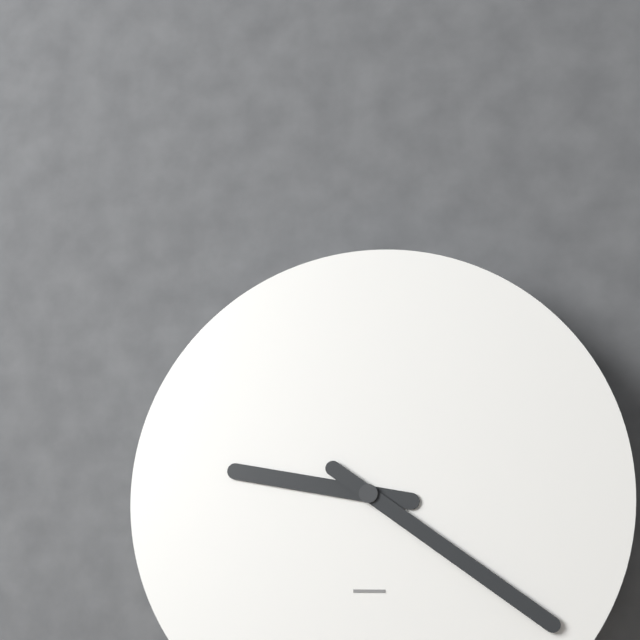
9:21
